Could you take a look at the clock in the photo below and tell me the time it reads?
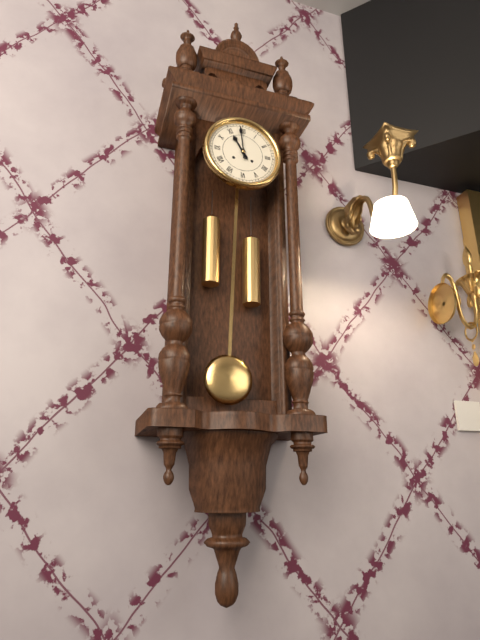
10:59
